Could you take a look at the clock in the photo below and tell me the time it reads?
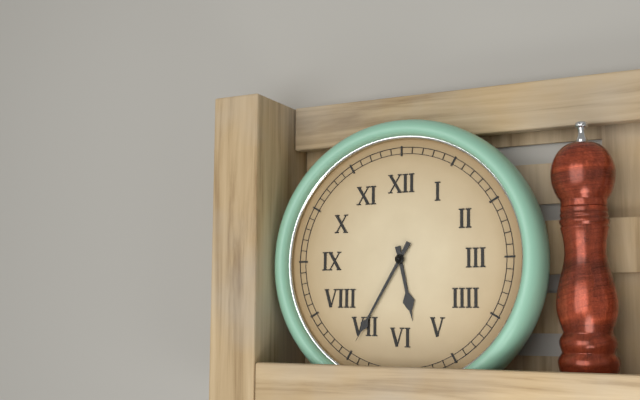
5:35
